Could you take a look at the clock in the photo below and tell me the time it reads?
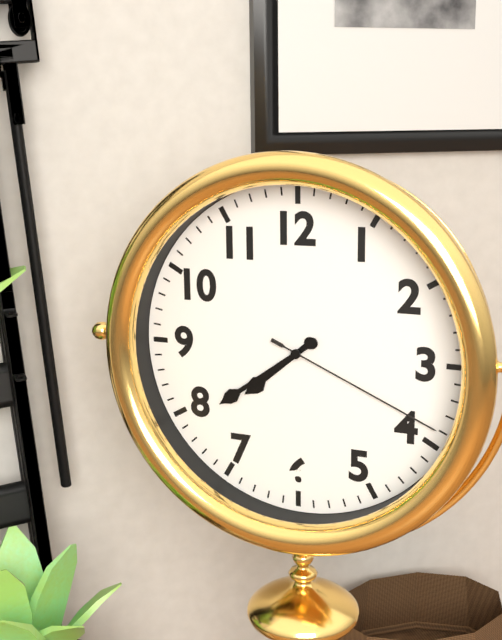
7:39:19
